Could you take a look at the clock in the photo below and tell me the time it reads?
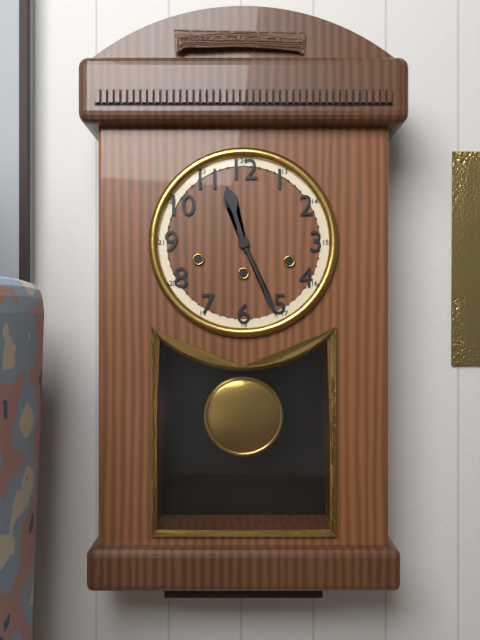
11:26
